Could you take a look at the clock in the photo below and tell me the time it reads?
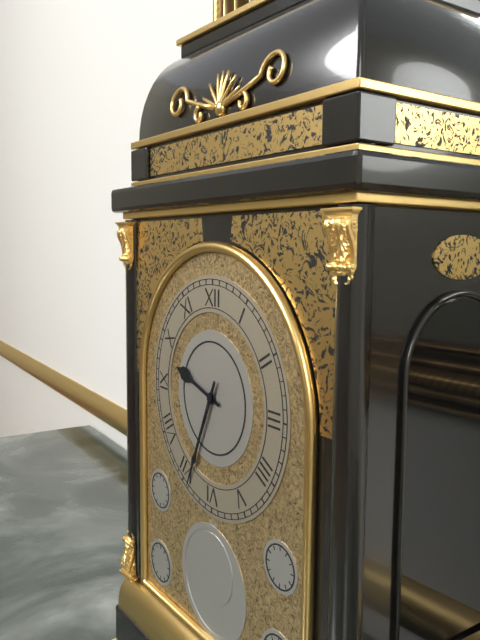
9:34
